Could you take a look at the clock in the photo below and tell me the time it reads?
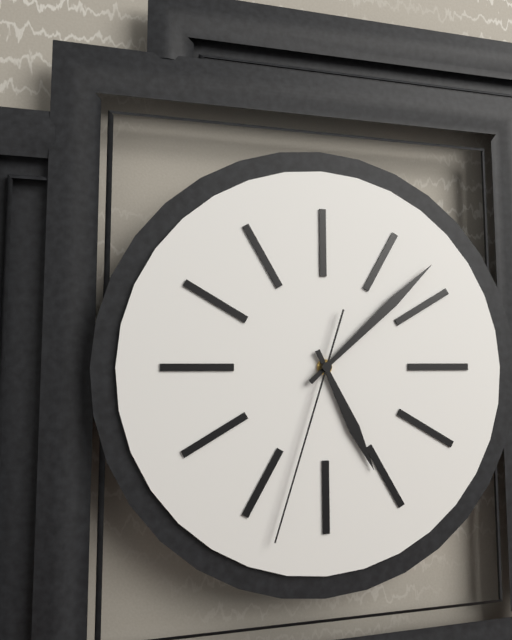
5:08:33
